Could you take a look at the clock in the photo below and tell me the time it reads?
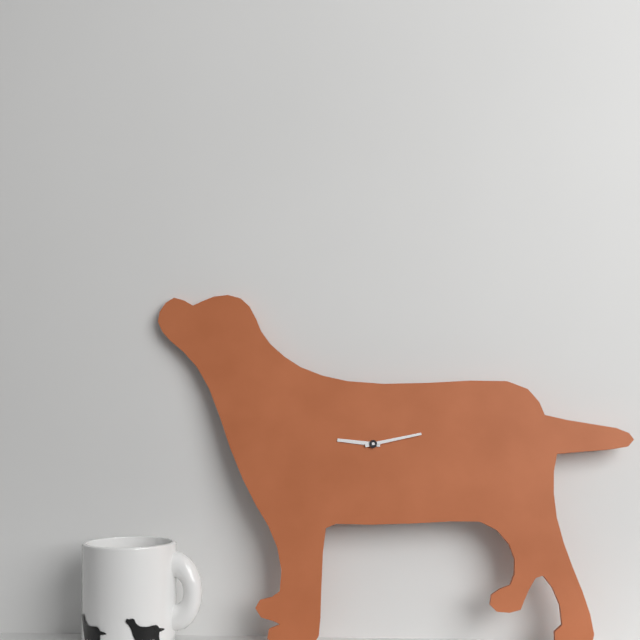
9:13
